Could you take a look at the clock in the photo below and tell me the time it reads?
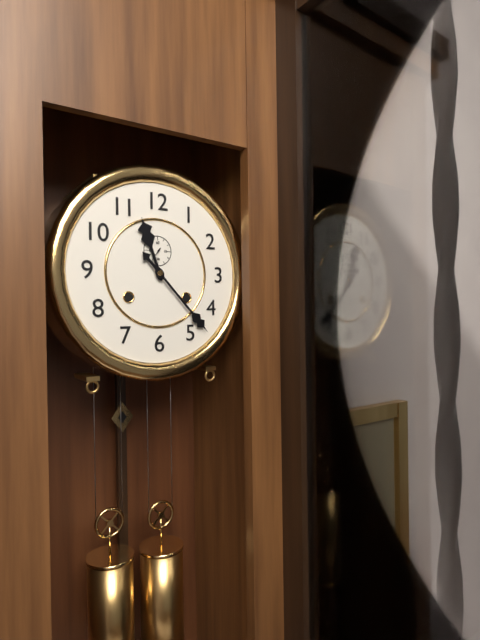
11:23
